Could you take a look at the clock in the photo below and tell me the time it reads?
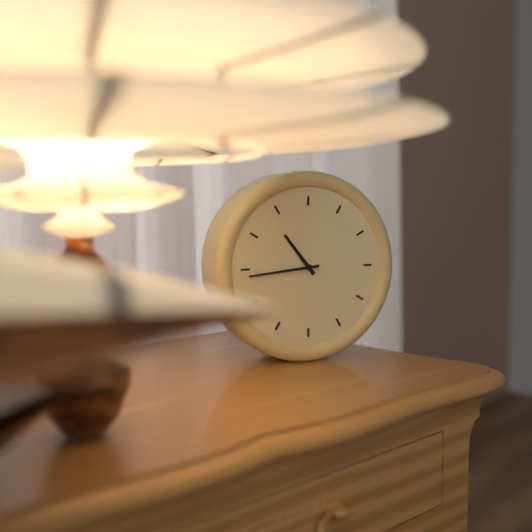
10:44
